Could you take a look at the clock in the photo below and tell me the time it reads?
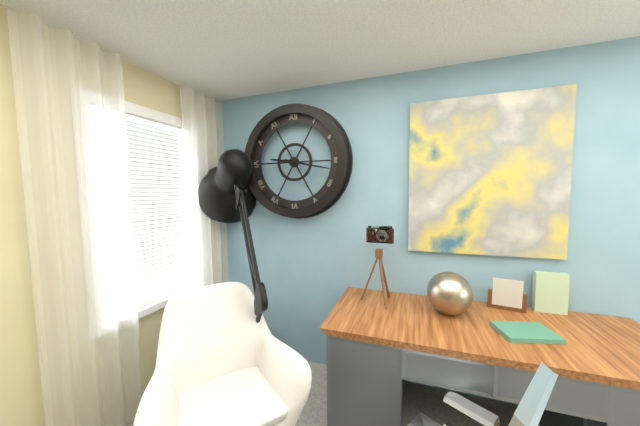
9:17
